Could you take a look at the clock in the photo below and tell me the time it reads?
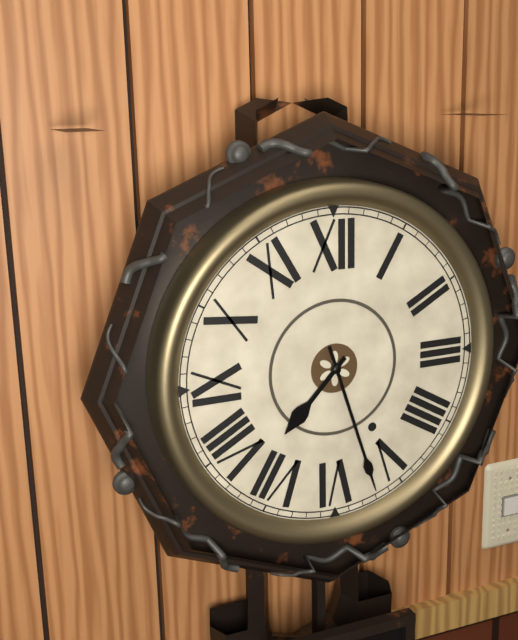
7:27
